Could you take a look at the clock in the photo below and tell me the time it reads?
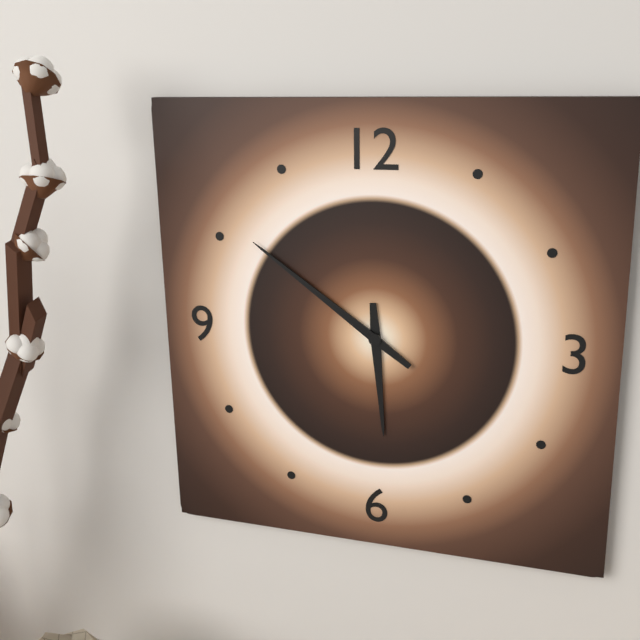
5:51
